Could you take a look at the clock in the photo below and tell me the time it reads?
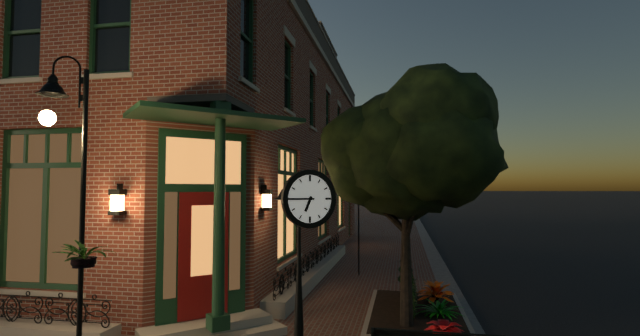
6:45
